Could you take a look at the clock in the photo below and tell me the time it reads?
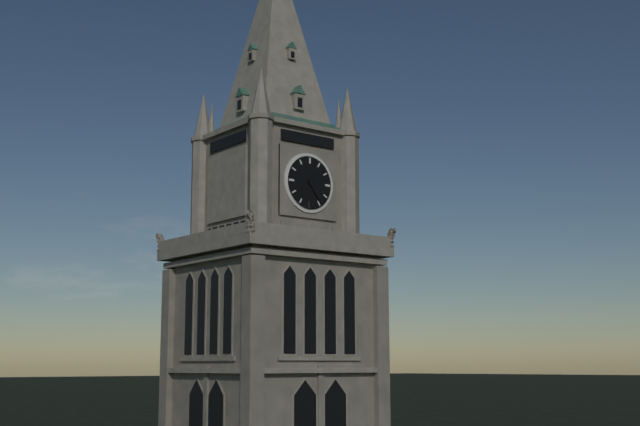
1:24
